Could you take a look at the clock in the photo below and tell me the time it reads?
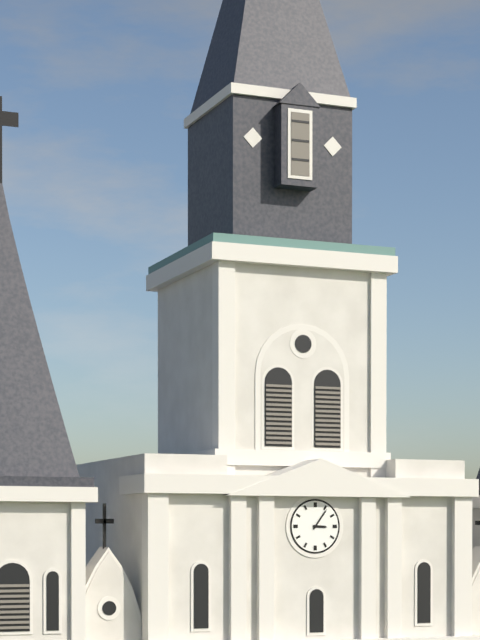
3:06
